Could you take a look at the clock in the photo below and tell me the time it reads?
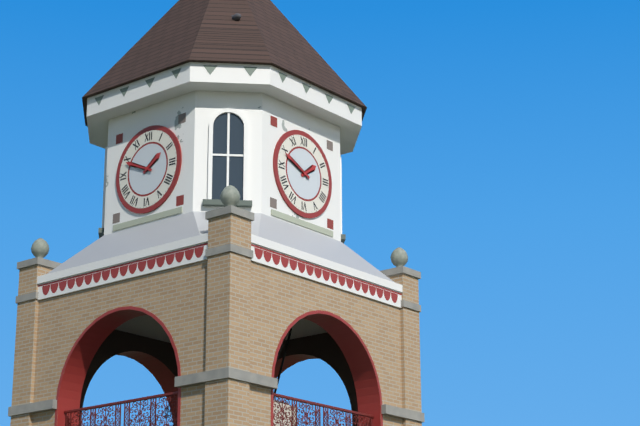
1:49
